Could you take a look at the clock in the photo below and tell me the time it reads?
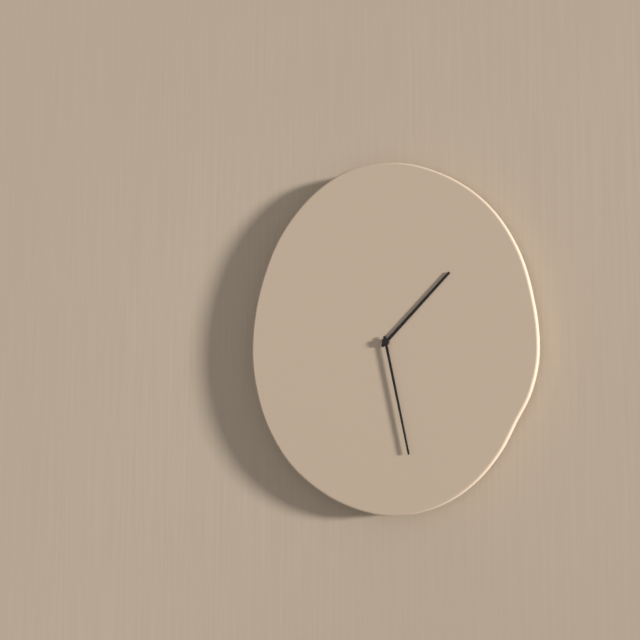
1:28
